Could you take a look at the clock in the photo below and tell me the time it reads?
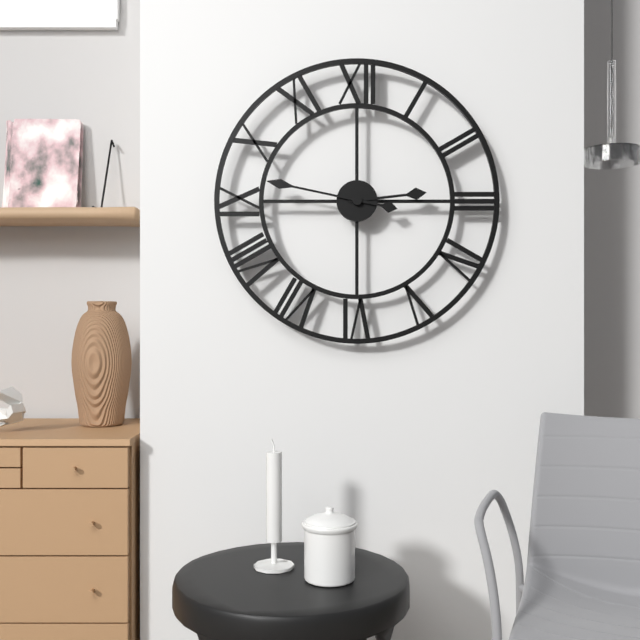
2:47
